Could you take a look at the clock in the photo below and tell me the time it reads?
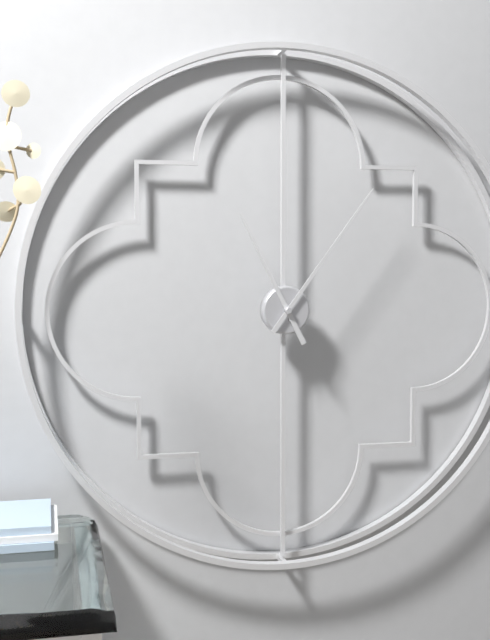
11:06
